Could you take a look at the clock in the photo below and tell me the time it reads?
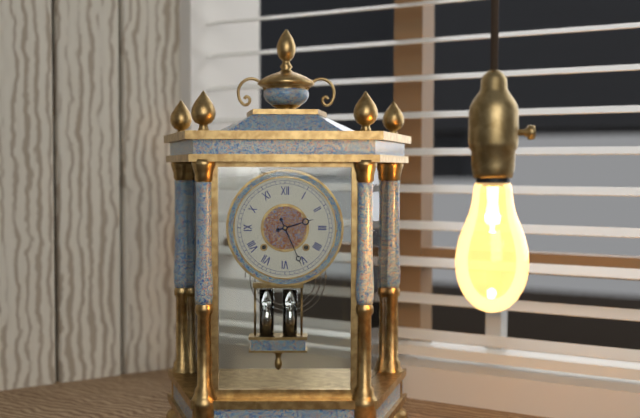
2:26
